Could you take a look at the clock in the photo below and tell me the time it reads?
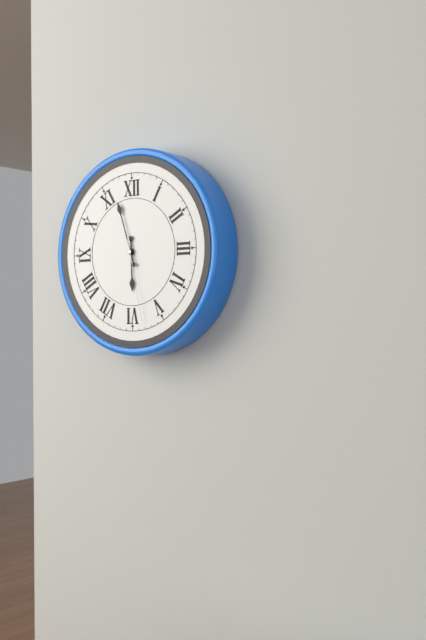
5:57:28
